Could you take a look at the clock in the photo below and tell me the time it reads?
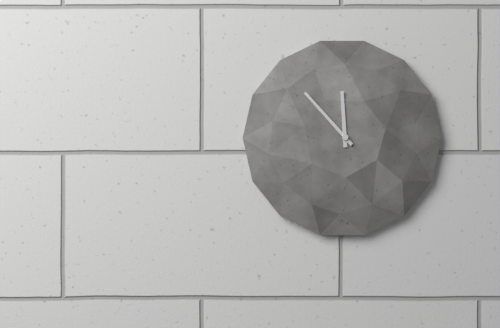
11:53
